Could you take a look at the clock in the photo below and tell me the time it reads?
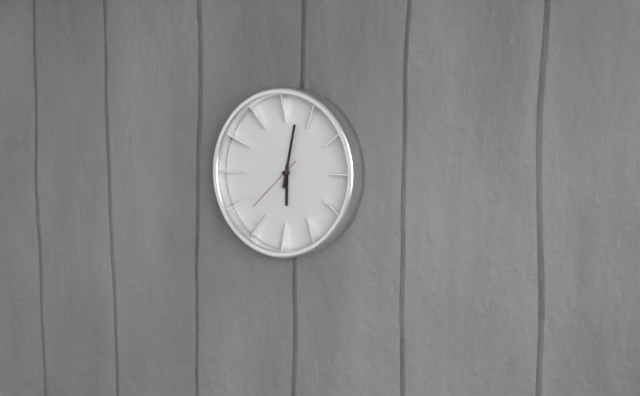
6:02:38
